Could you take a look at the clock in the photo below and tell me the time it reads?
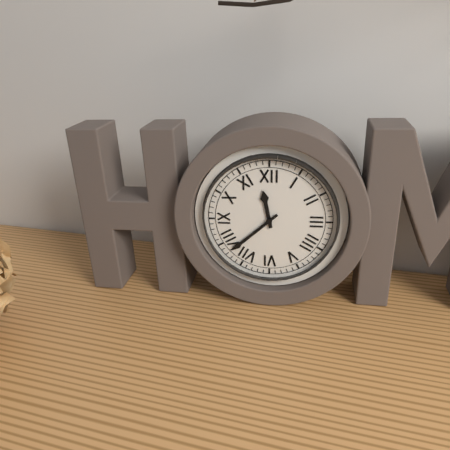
11:38
